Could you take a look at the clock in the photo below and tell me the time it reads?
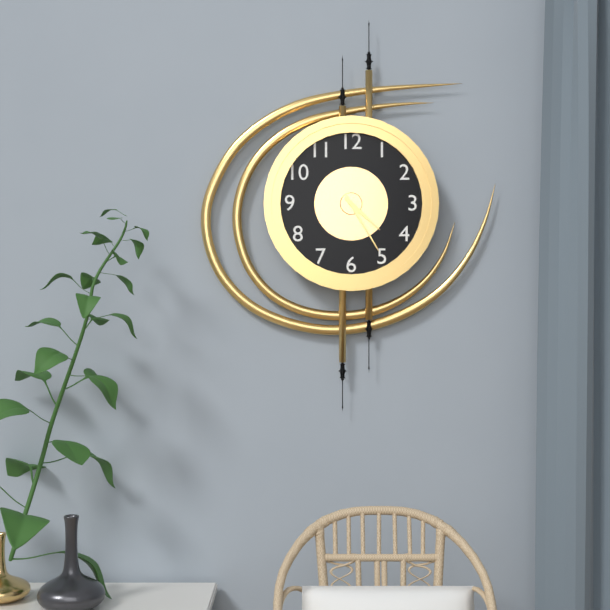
4:25
